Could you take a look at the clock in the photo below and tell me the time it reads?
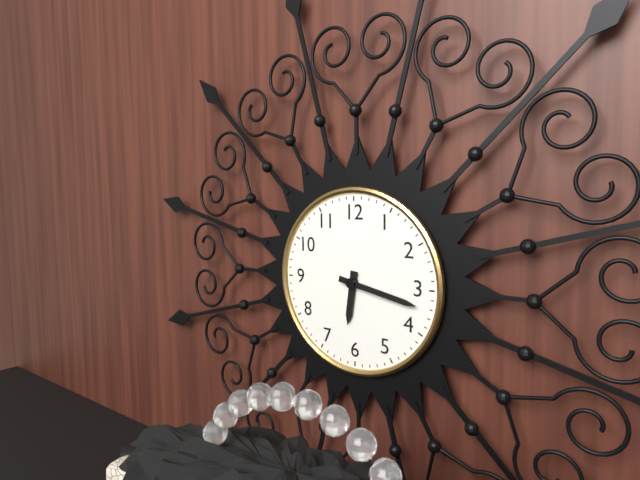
6:17
